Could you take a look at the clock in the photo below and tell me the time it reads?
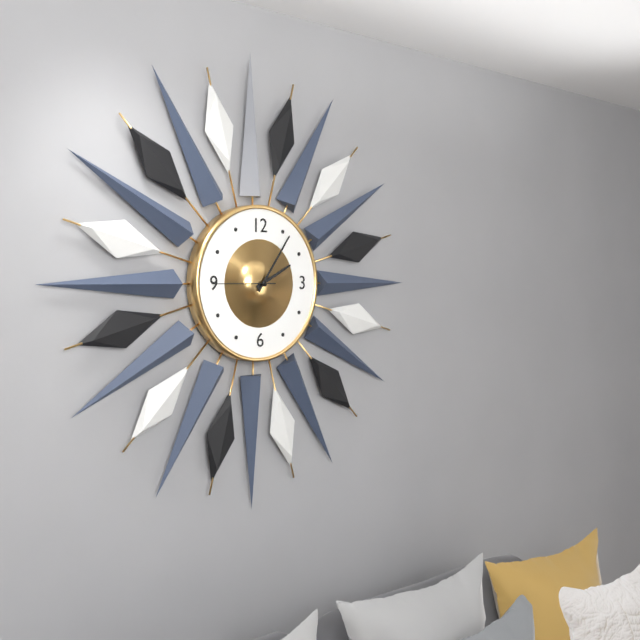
2:06:45
